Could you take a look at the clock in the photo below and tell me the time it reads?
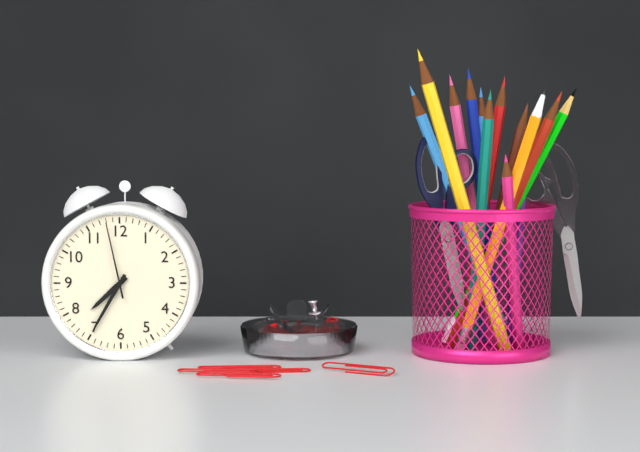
7:35:58
